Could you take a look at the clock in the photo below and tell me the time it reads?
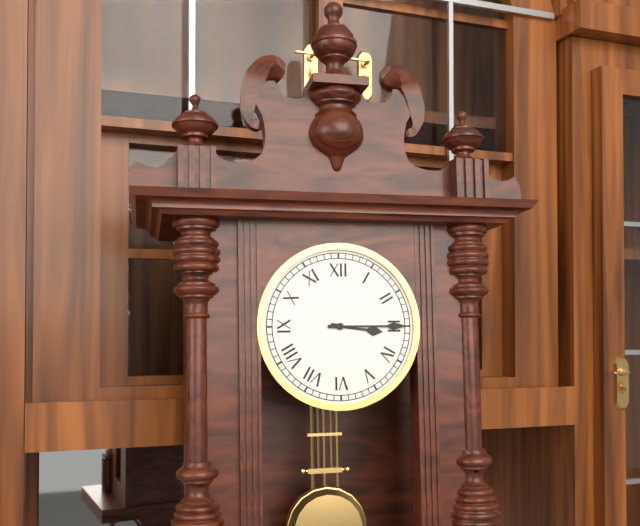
3:15
